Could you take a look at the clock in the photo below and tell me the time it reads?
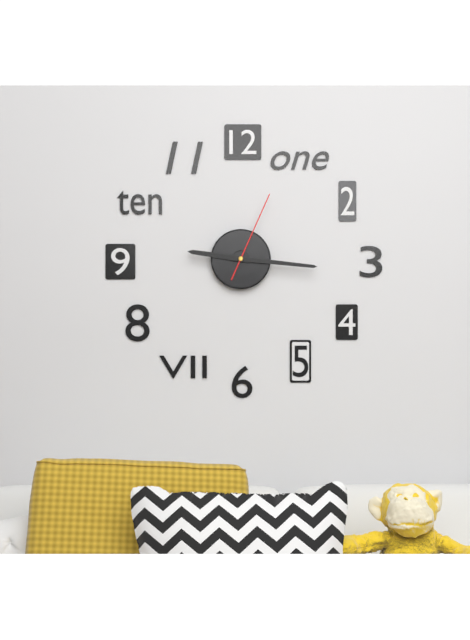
9:16:04
